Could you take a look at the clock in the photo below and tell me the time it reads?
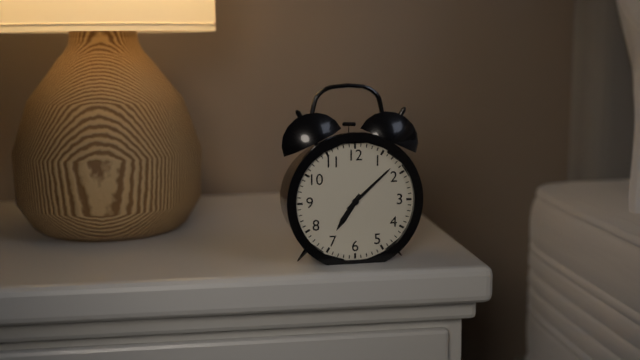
7:08
